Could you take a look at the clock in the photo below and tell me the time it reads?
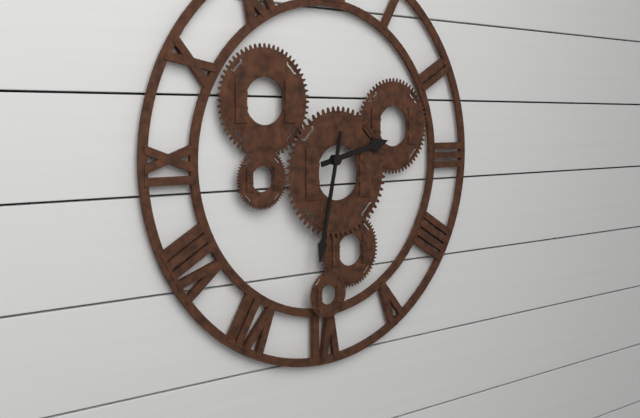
2:32
